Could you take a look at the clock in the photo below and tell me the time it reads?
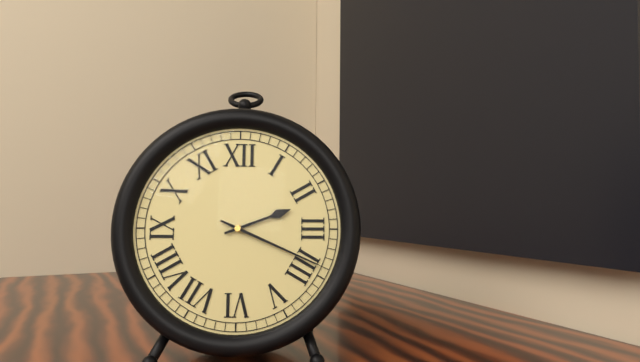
2:19
